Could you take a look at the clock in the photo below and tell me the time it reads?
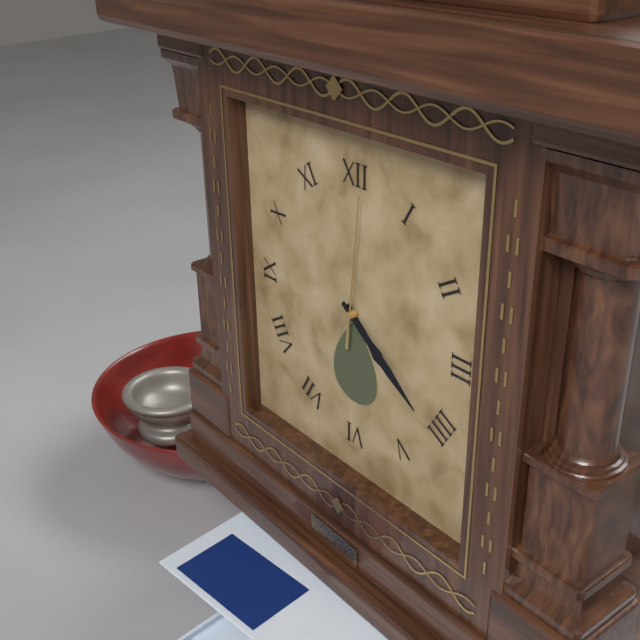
4:21:01
